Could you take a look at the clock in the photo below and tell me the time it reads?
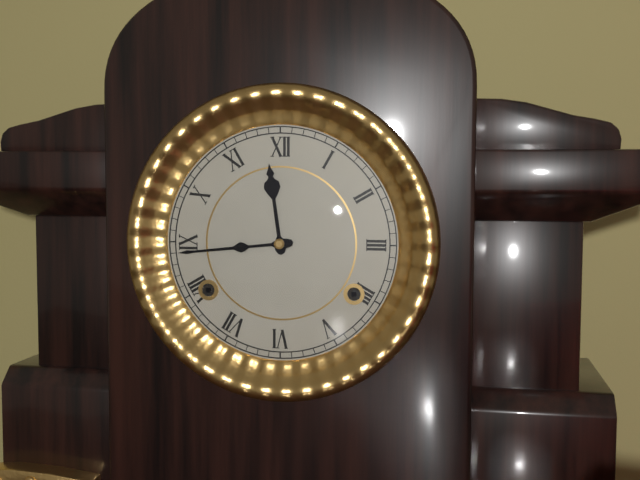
11:44
